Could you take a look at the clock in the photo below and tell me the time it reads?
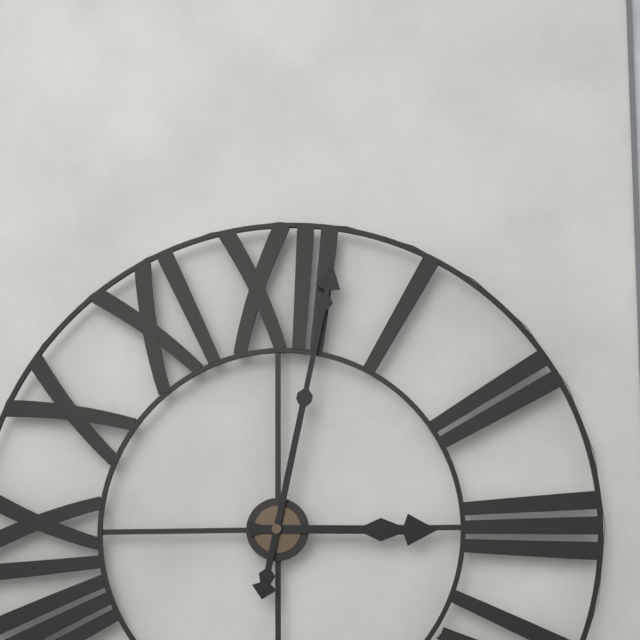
3:02
